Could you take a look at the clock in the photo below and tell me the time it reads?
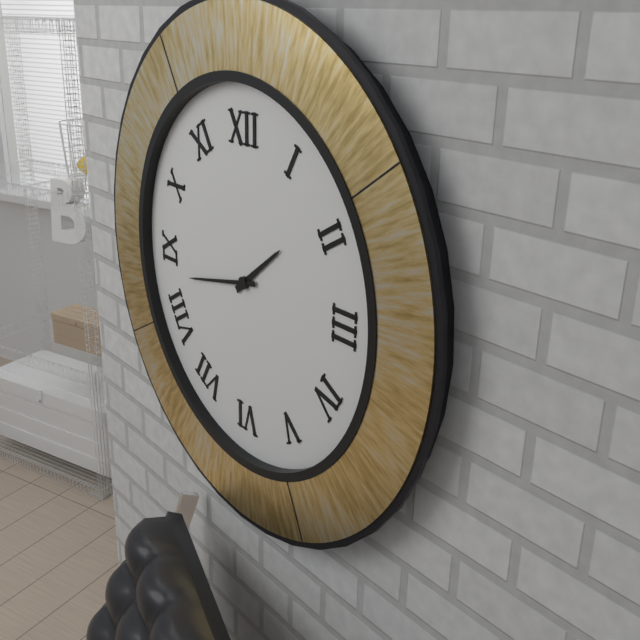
1:43
